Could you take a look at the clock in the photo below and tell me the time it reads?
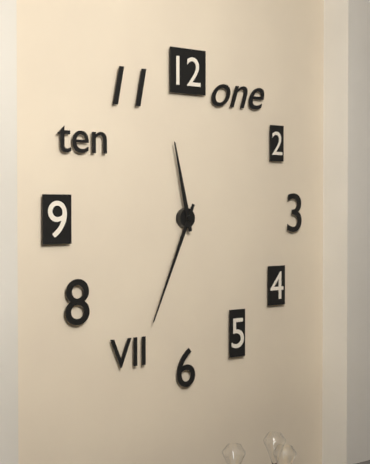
11:34
